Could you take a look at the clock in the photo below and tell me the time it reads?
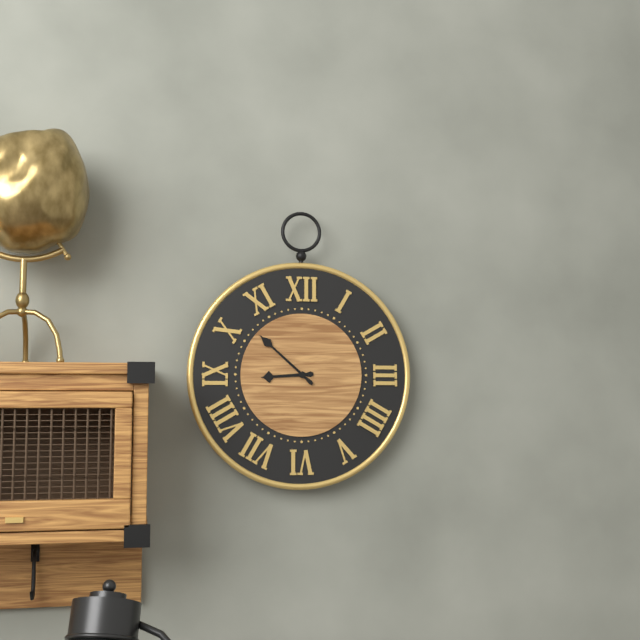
8:52
